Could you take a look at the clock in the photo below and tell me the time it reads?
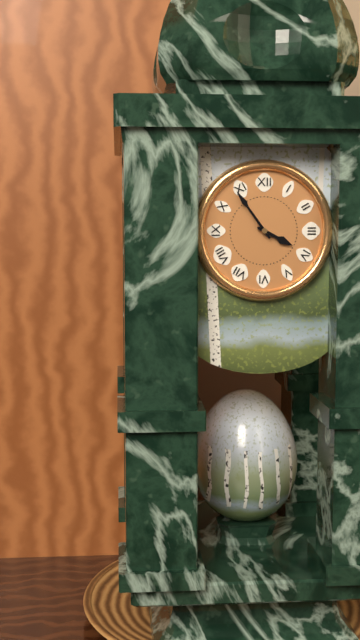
3:54
